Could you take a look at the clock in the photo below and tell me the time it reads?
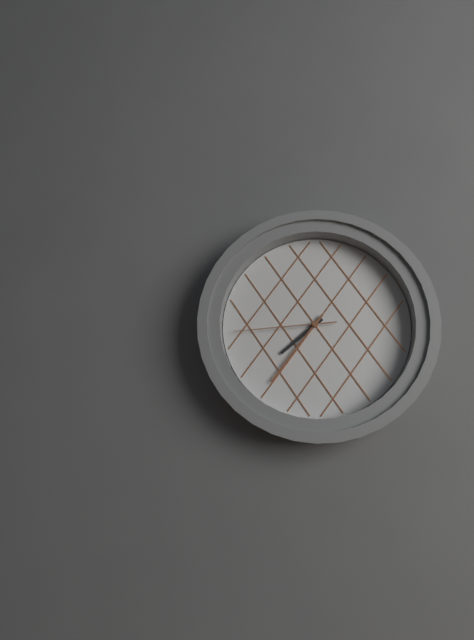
7:36:44
